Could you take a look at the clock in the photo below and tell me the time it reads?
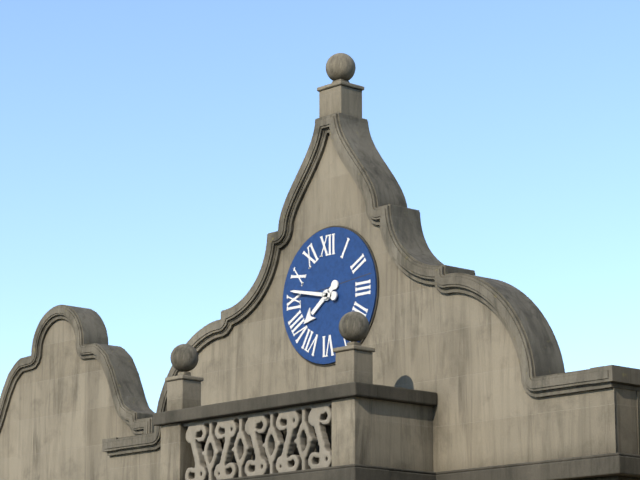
7:47
